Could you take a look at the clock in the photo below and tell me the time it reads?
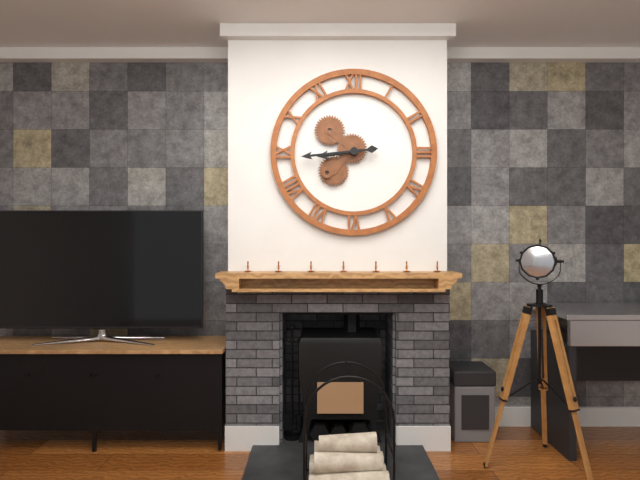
8:44
